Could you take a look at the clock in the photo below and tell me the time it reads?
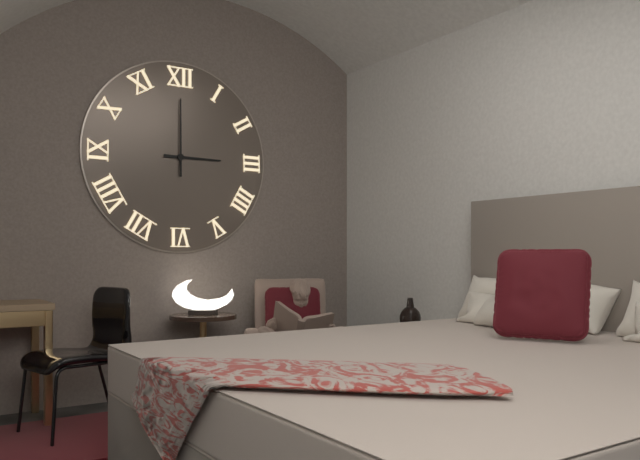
3:00
